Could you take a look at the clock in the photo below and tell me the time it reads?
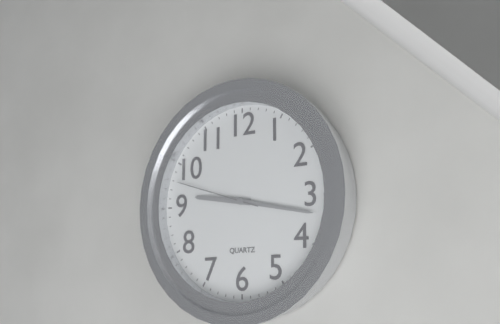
9:17:48
